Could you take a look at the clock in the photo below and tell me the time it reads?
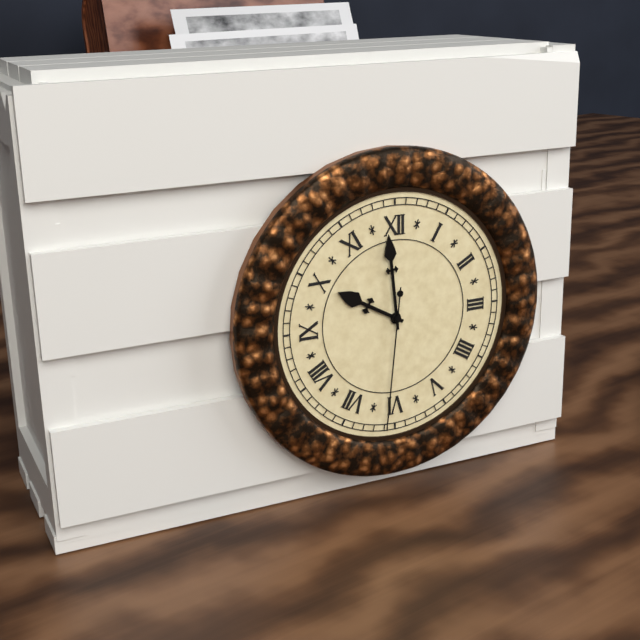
9:59:31
